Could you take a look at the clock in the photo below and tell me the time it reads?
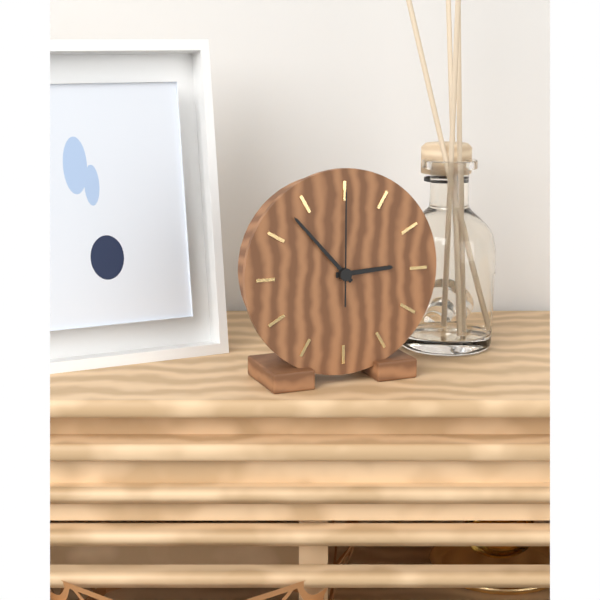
2:53:00
